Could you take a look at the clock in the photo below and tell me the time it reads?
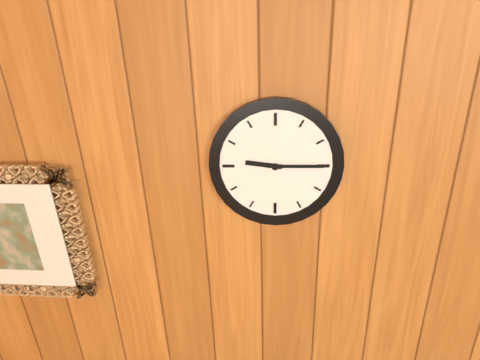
9:15
